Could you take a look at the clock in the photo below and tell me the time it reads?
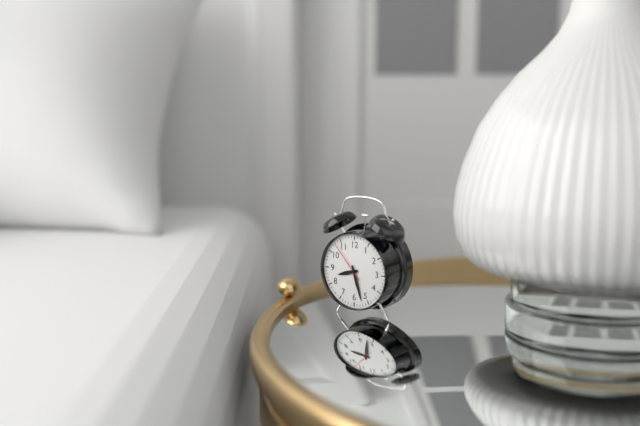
8:27
